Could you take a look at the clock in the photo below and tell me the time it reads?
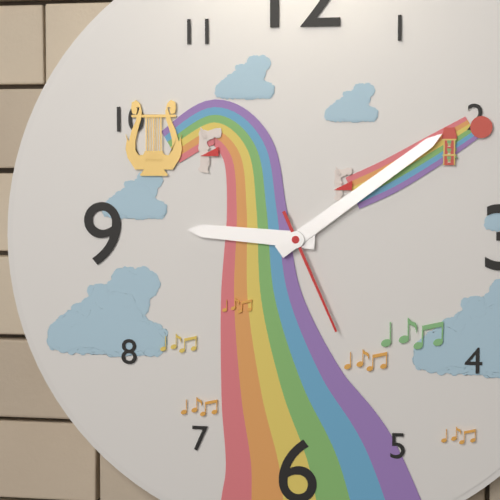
9:09:26
